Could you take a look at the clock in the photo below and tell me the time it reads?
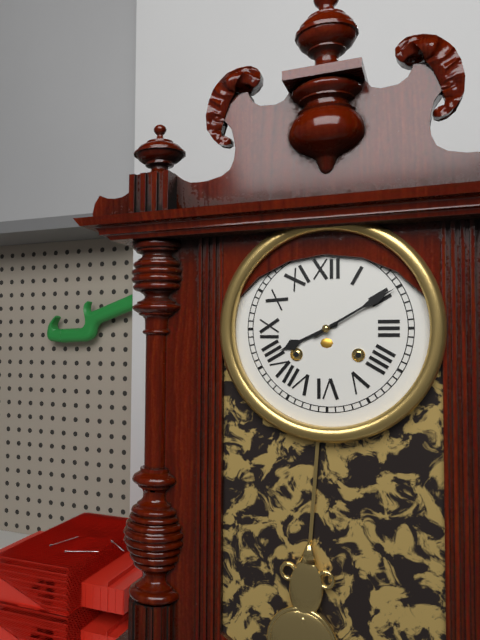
8:10
